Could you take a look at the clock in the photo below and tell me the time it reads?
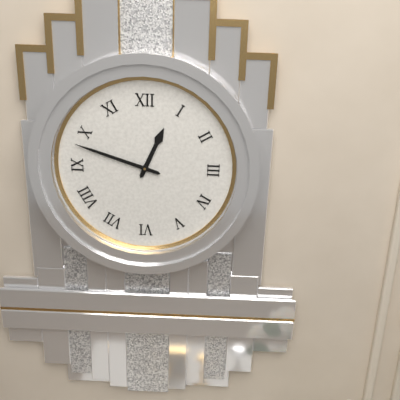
12:48
